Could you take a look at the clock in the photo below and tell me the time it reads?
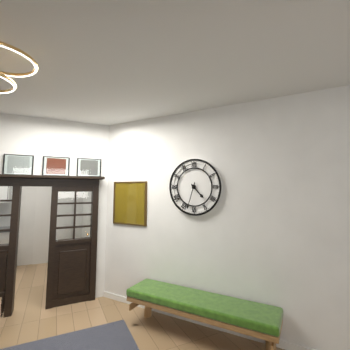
4:33
